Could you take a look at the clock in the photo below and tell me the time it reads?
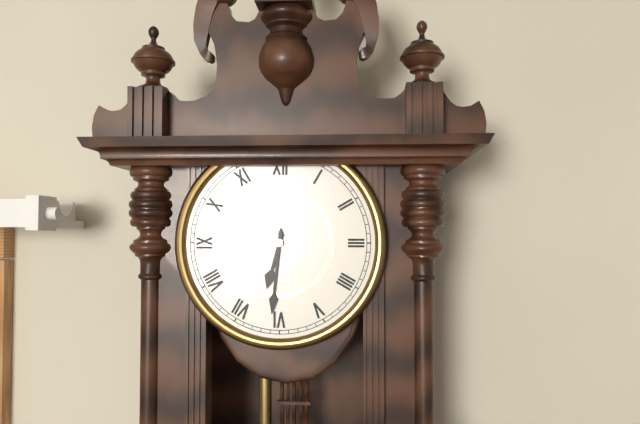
6:31
